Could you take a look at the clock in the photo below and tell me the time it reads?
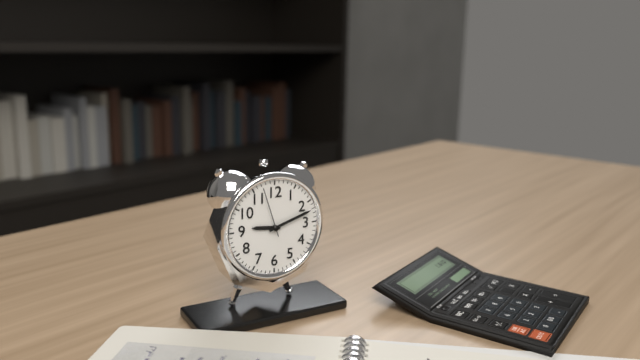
9:12:57
